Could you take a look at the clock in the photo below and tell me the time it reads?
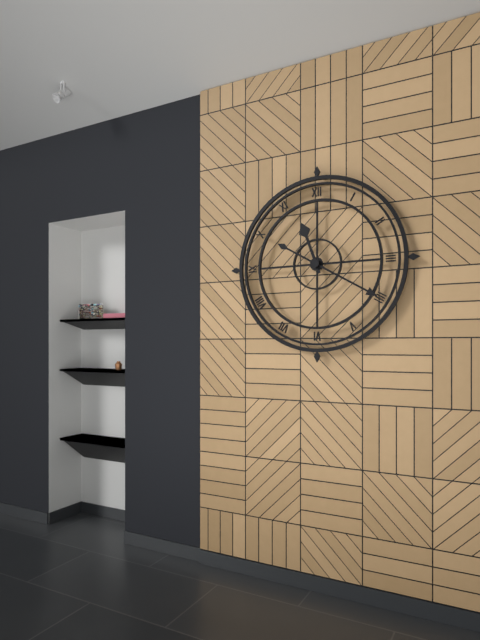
11:20
